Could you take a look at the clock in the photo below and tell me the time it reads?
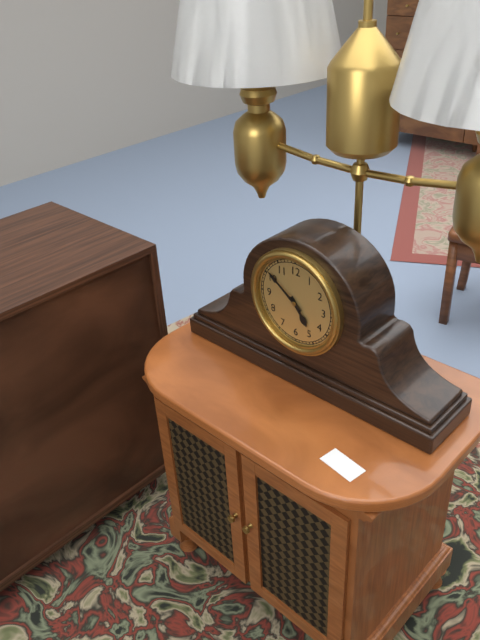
4:51
